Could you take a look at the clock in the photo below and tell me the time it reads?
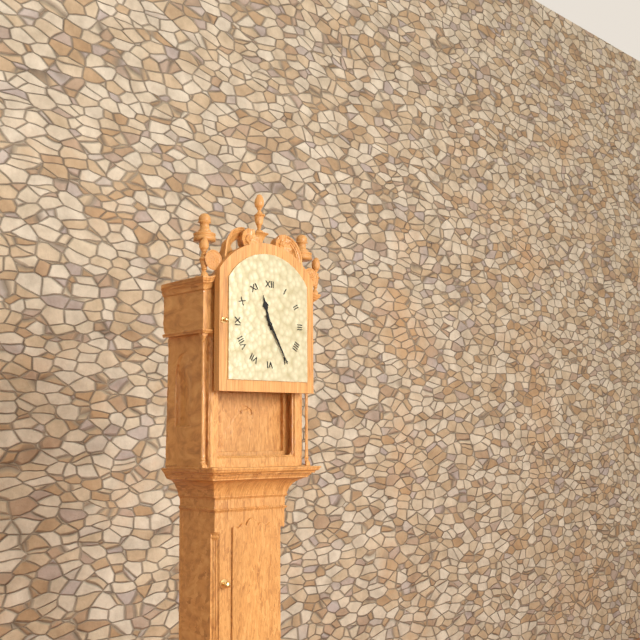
11:25
